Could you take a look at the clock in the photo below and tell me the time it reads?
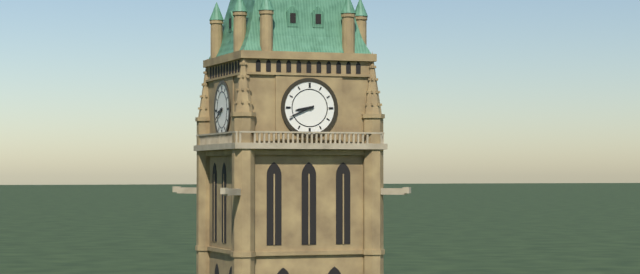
8:41
